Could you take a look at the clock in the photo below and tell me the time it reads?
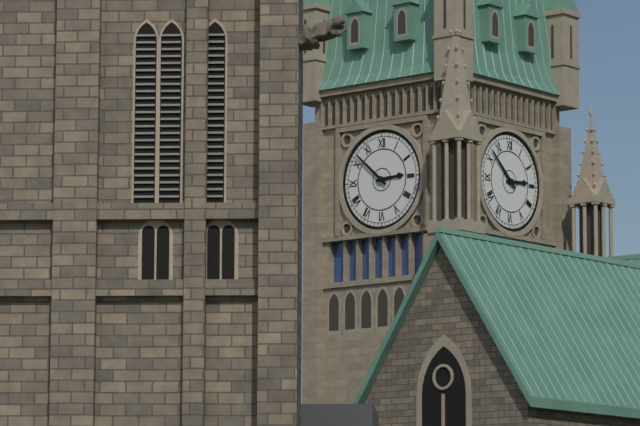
2:52
